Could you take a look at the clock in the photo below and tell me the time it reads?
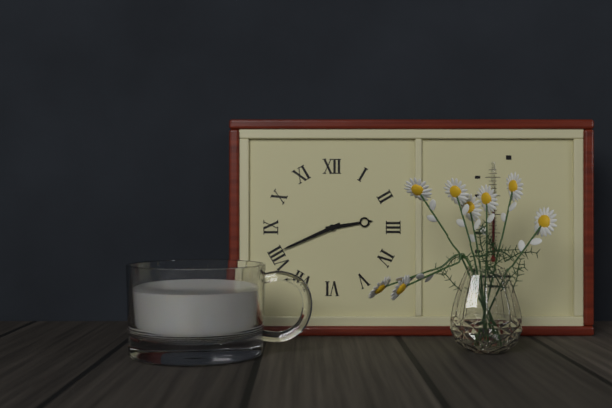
2:41
